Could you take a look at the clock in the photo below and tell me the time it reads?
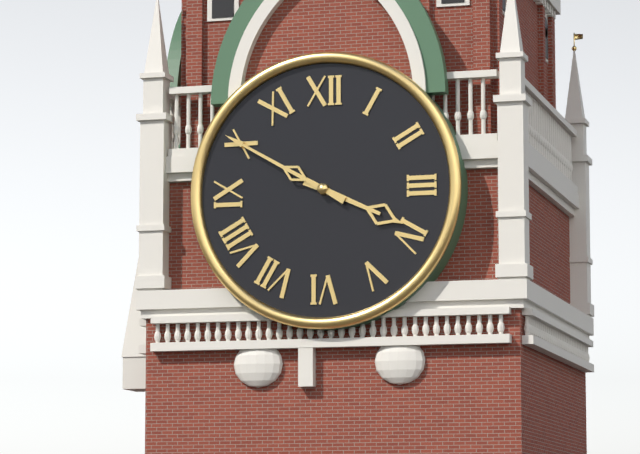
3:50
